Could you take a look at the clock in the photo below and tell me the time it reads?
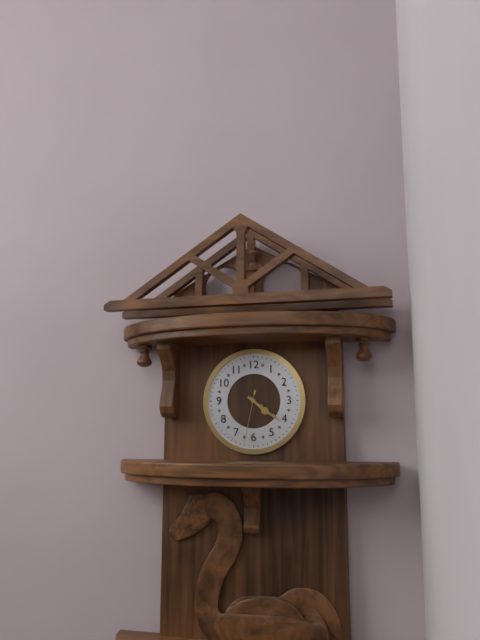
4:21:32
